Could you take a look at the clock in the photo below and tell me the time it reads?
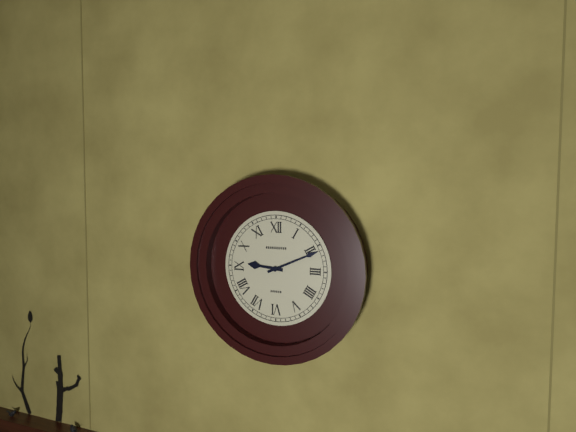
9:11
